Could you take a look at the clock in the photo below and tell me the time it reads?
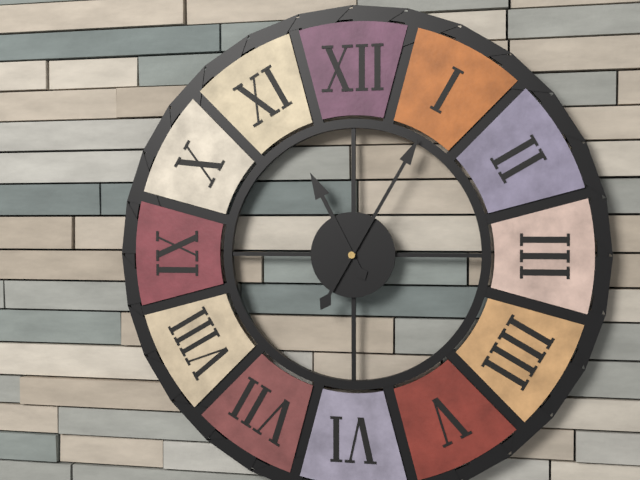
11:05
